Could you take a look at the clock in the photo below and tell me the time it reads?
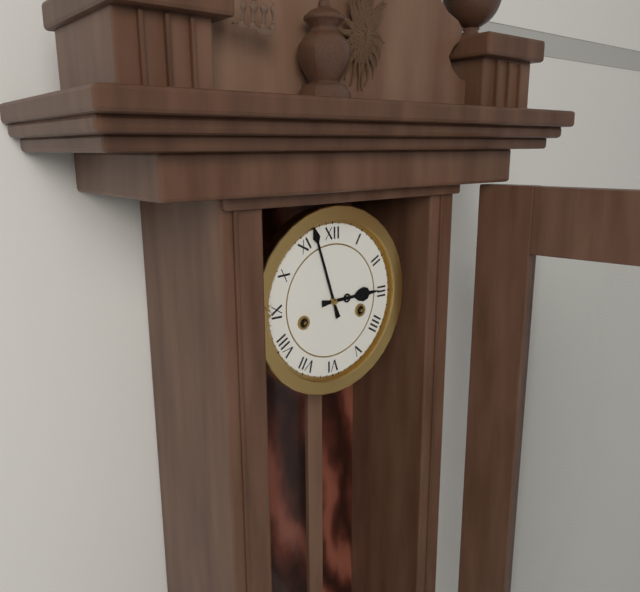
2:57
